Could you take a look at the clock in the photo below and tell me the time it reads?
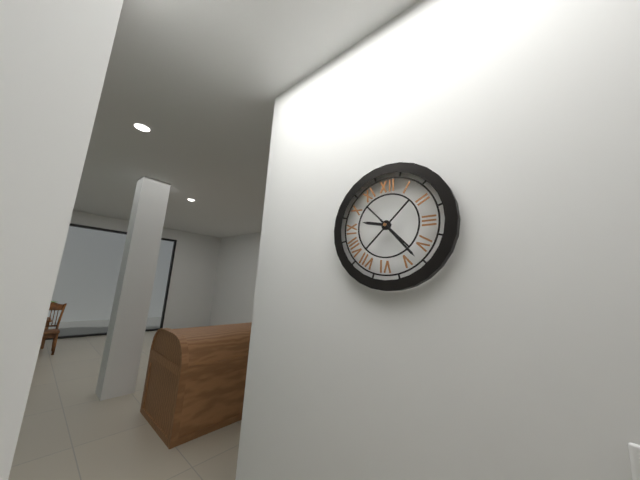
9:23
